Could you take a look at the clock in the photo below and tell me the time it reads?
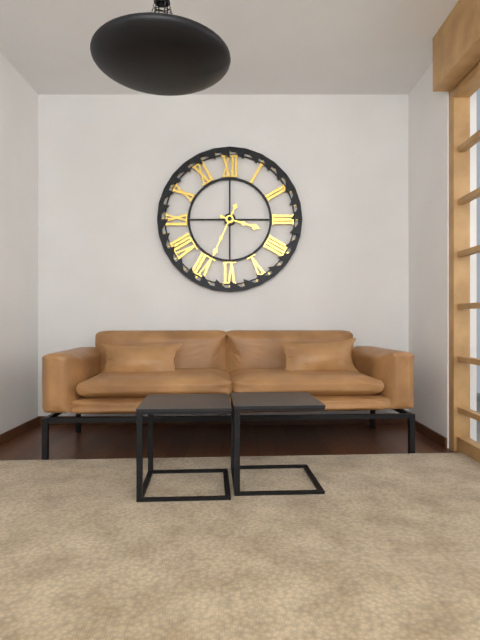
3:34
